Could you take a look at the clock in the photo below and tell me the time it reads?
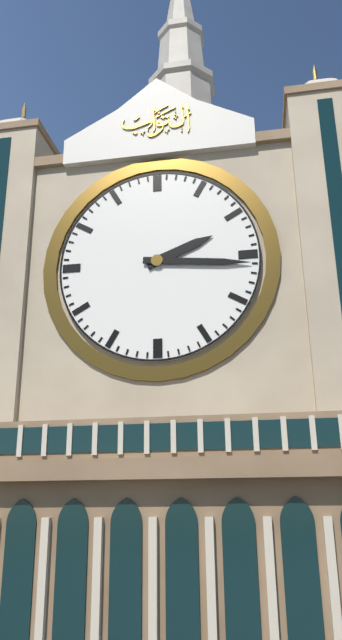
2:16
